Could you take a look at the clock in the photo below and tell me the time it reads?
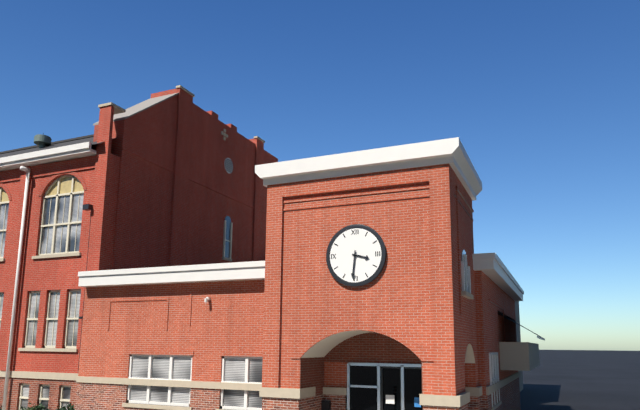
3:31
